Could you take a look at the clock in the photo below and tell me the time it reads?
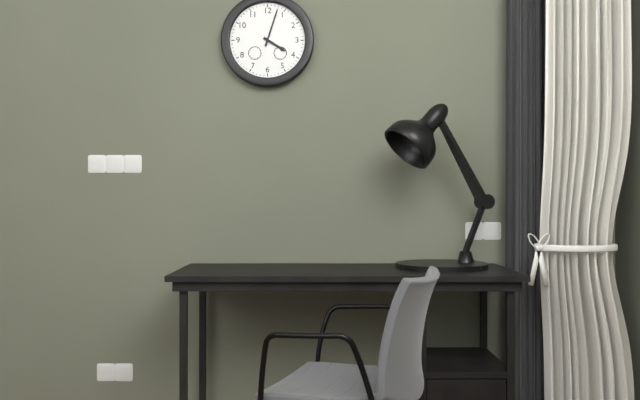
4:03
